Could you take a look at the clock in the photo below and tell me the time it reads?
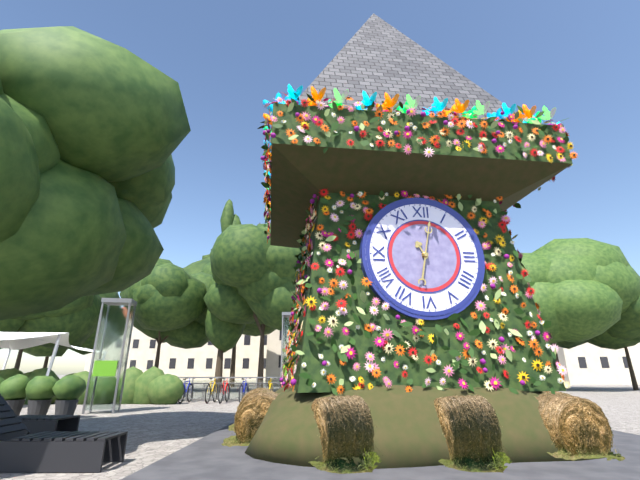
11:02
